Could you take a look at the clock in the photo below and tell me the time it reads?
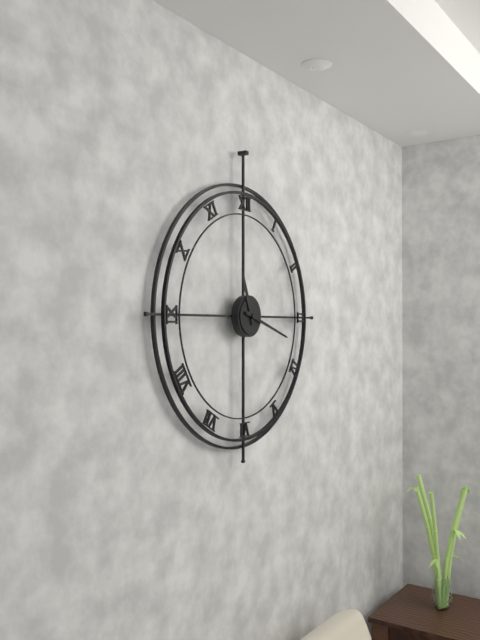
11:18
